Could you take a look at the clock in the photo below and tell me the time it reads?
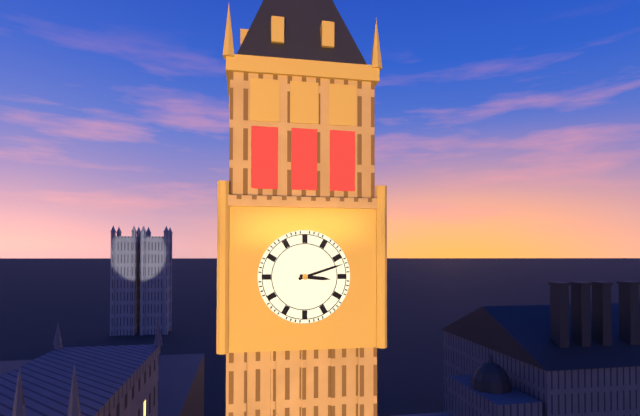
3:12
